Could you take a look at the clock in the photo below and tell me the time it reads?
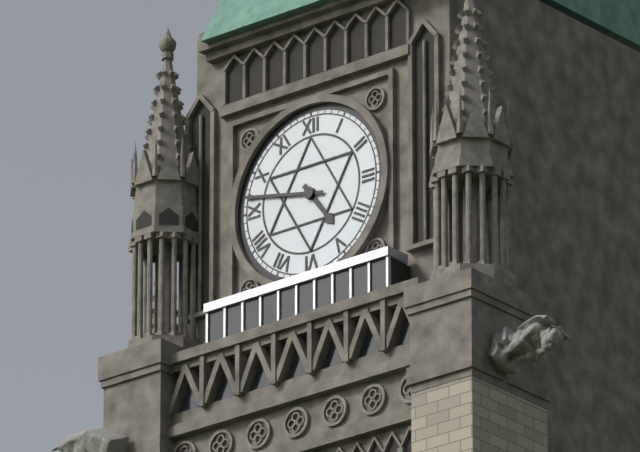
4:47
